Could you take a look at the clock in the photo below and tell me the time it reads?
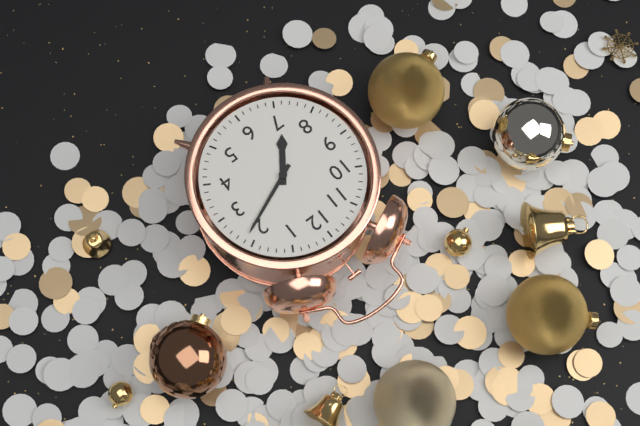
7:11
